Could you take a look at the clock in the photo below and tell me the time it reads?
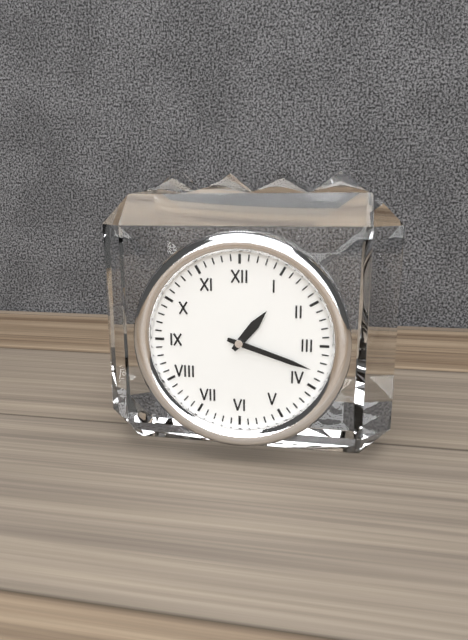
1:18
